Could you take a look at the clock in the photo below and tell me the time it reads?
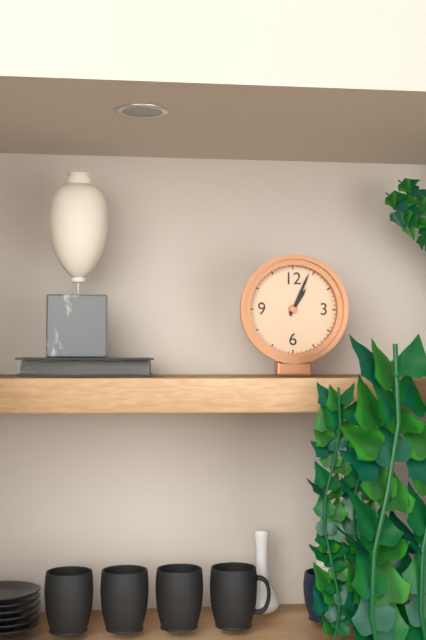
1:04
